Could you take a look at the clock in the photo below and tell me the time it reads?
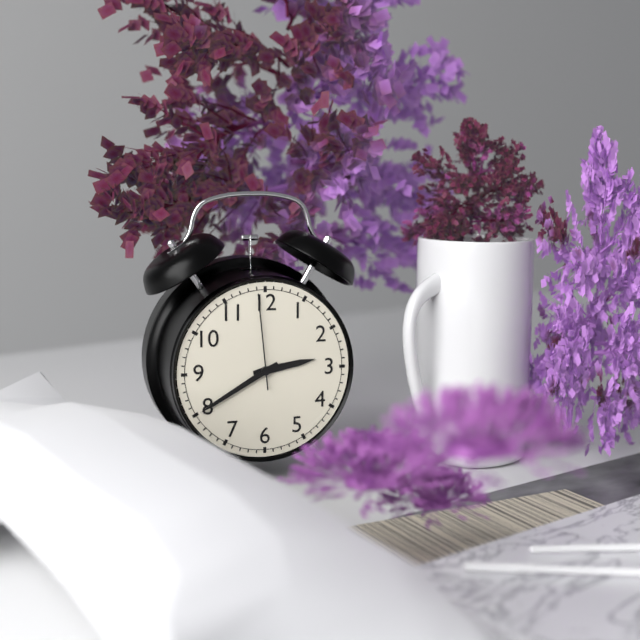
2:40:59
